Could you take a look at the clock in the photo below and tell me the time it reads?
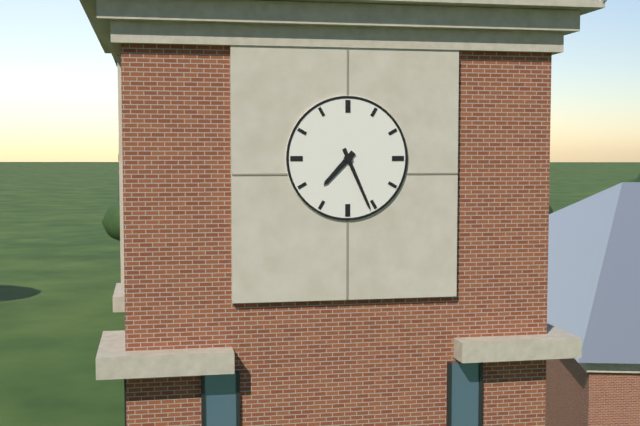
7:26
